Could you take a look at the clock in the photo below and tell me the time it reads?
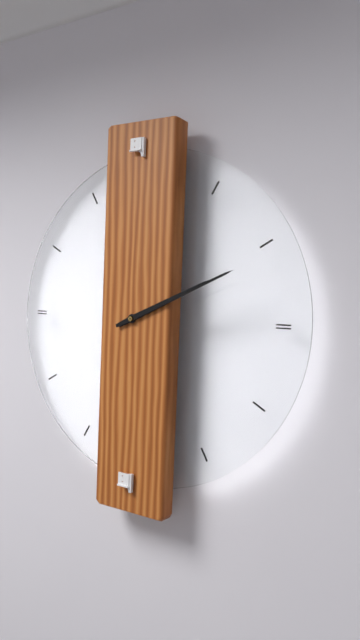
2:11
